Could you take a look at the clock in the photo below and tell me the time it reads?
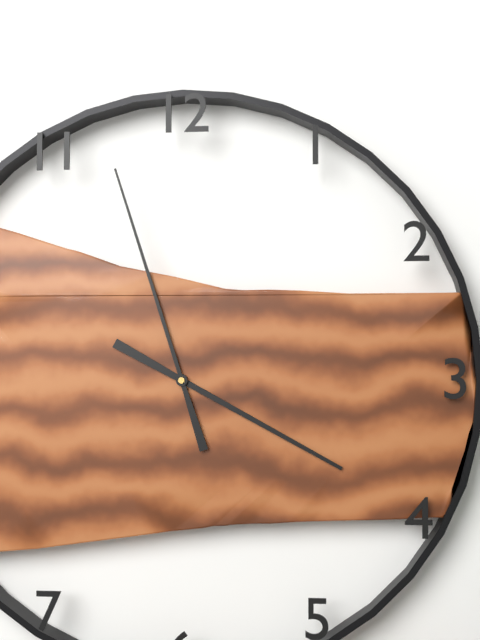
3:57
